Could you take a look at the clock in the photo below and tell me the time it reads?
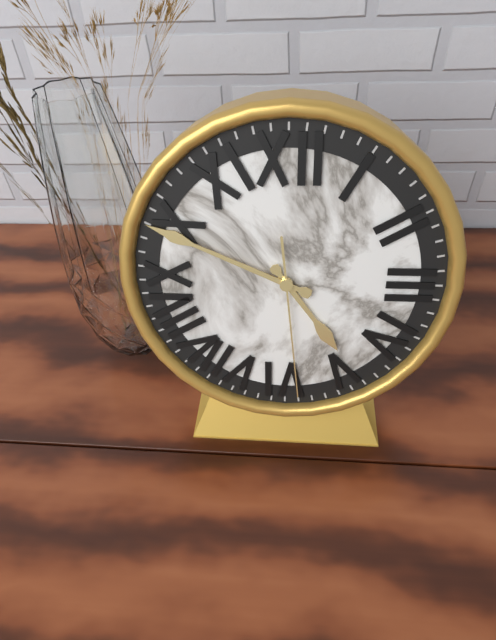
4:49:29
